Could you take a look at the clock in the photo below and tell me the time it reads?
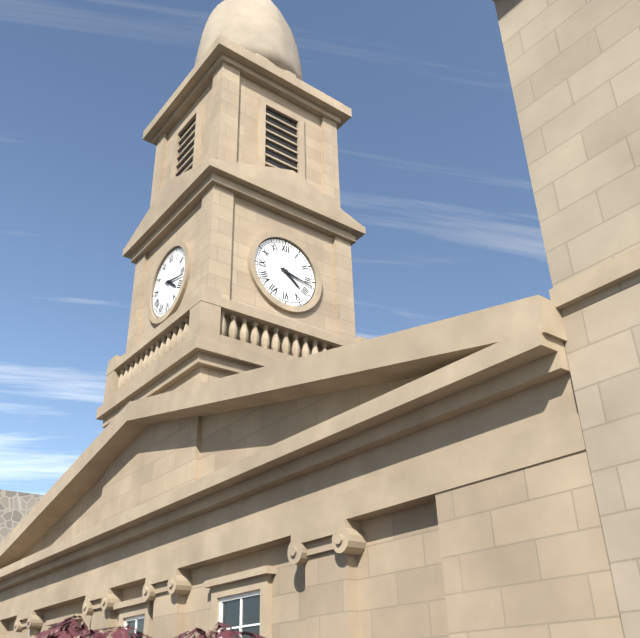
4:17
